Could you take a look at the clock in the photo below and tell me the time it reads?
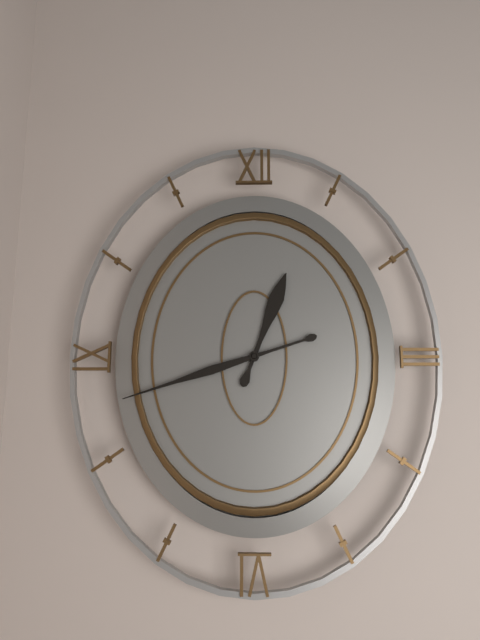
12:42
